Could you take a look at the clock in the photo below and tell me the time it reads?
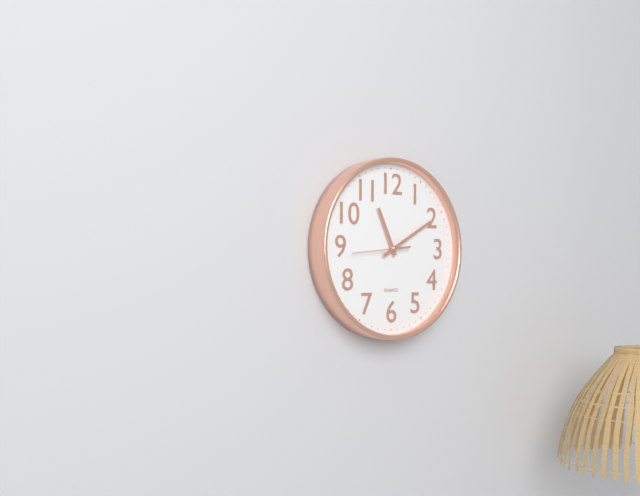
11:10
